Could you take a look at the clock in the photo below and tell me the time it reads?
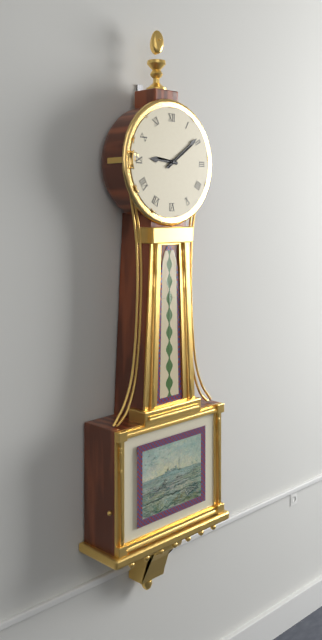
9:09
